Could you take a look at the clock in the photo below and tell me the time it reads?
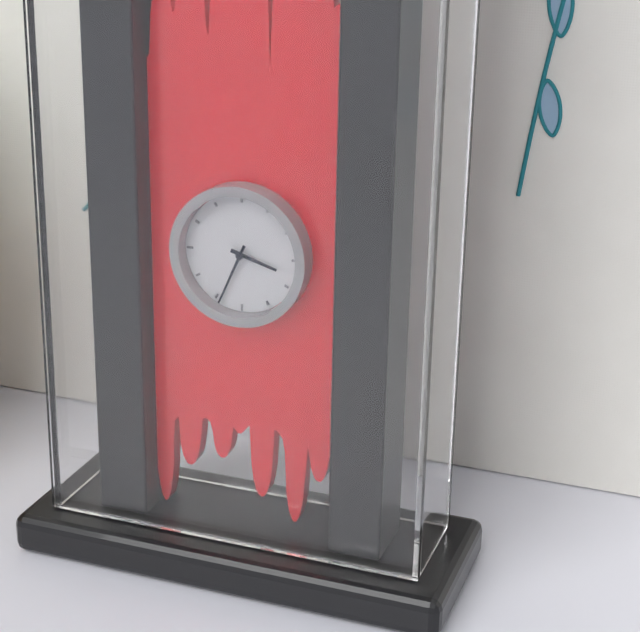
3:34
